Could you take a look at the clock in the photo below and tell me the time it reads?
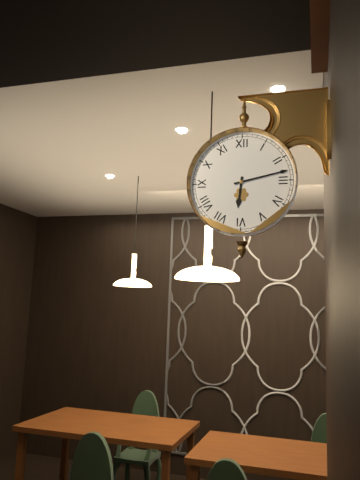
6:13
